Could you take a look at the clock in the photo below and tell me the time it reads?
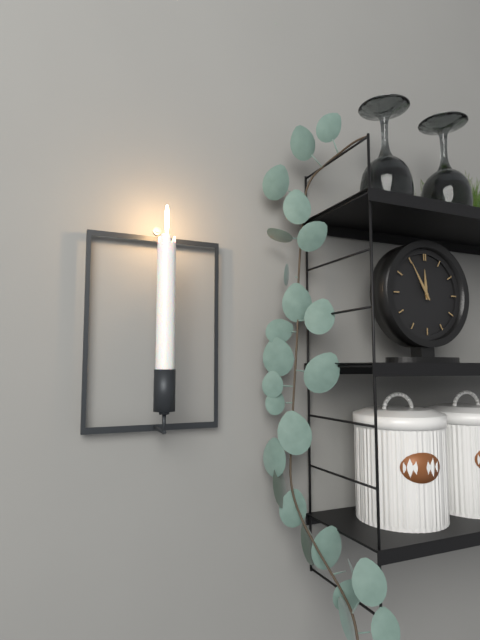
11:55
